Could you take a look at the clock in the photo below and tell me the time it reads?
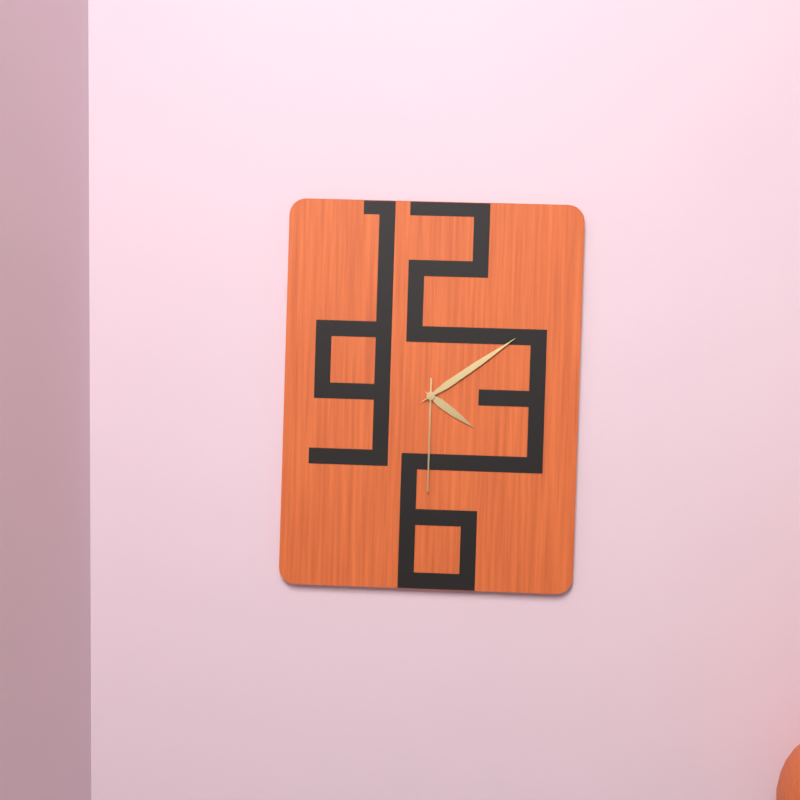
4:09:30
